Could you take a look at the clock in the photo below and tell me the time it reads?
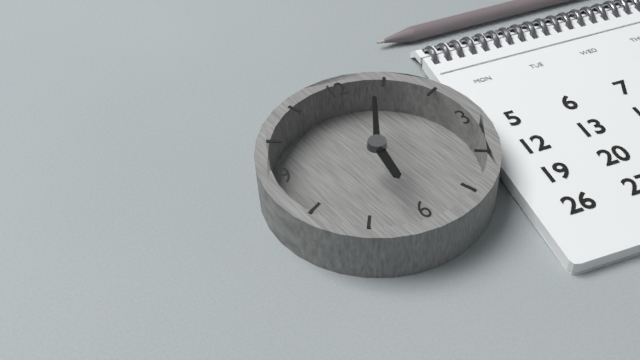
6:04
